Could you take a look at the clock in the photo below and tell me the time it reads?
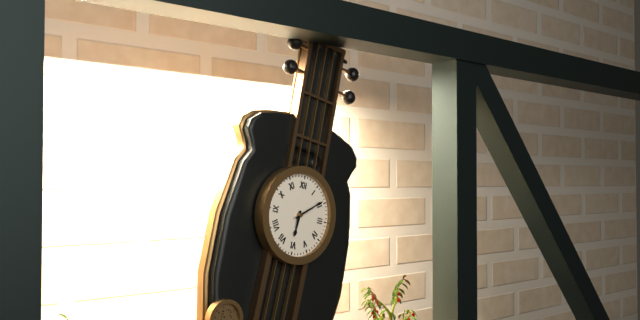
6:09
